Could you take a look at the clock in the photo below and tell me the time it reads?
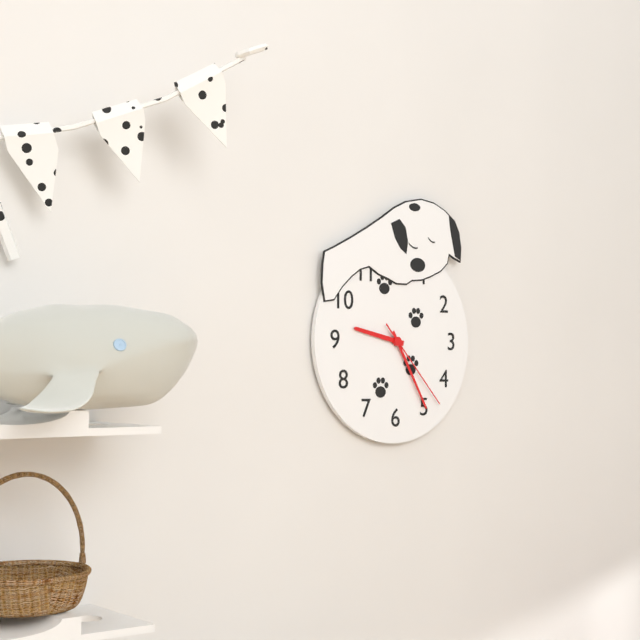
9:25:23
